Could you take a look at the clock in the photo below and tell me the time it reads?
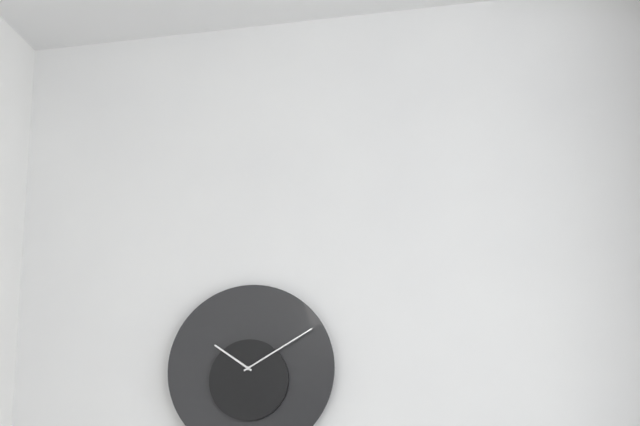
10:10
